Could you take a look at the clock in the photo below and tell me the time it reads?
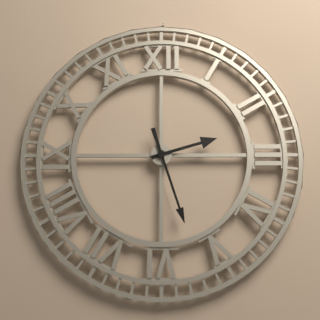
2:27
